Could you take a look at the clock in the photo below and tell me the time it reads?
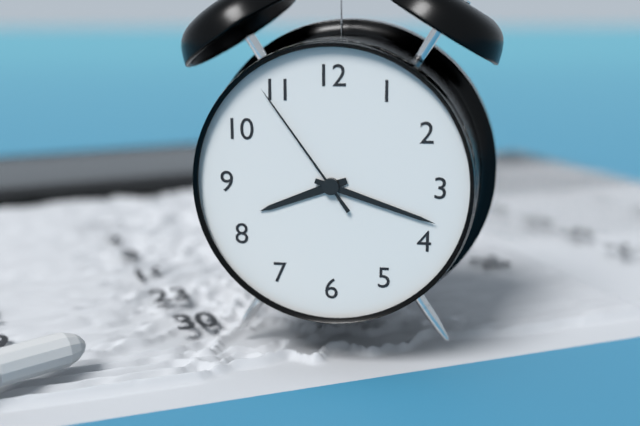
8:18:54
